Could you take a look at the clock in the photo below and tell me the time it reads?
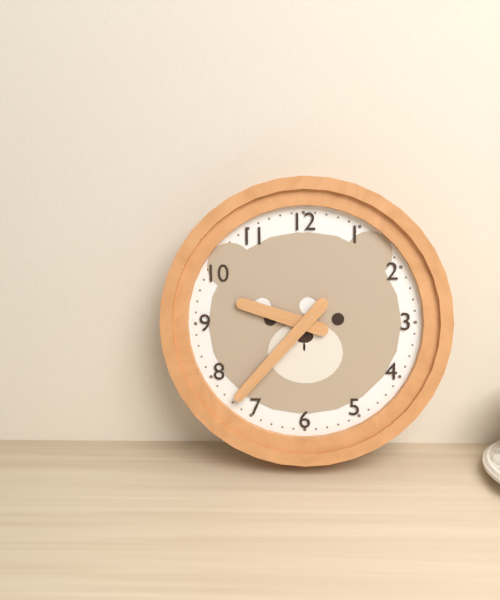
9:37
